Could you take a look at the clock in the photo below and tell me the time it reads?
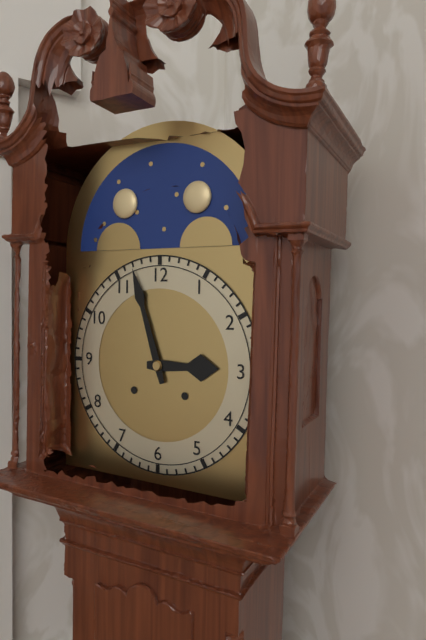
2:57
